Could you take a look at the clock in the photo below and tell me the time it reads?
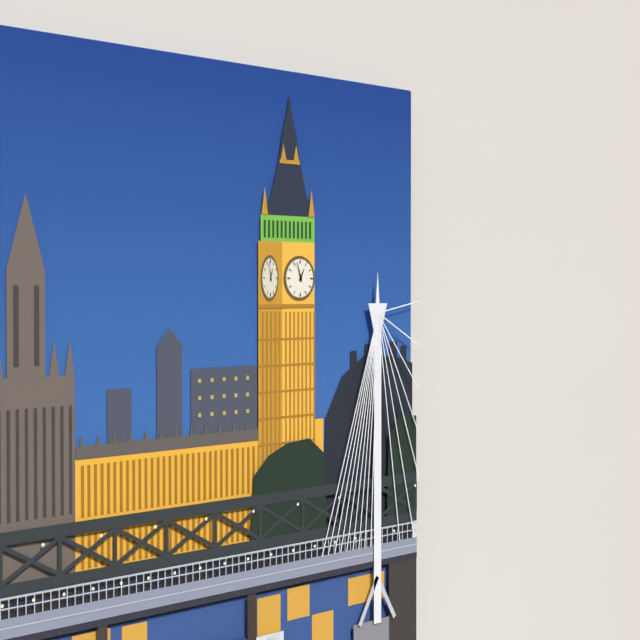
12:57
